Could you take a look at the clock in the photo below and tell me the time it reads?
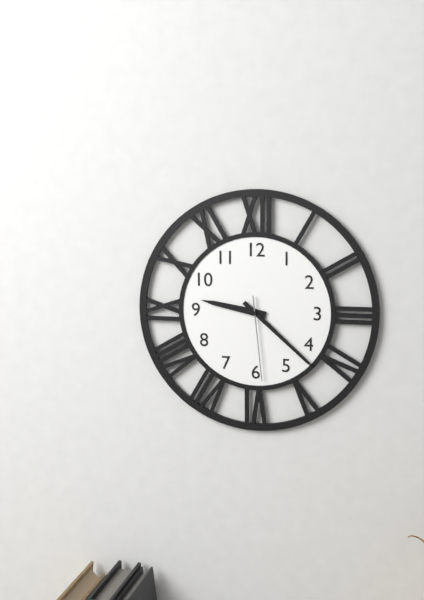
9:22:29
